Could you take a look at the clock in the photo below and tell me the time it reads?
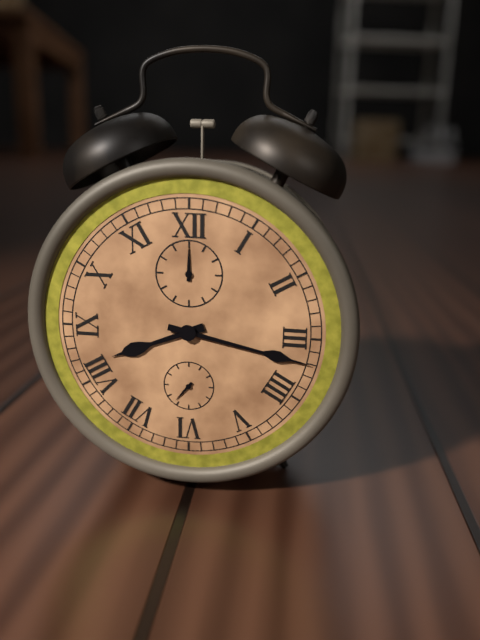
8:17
